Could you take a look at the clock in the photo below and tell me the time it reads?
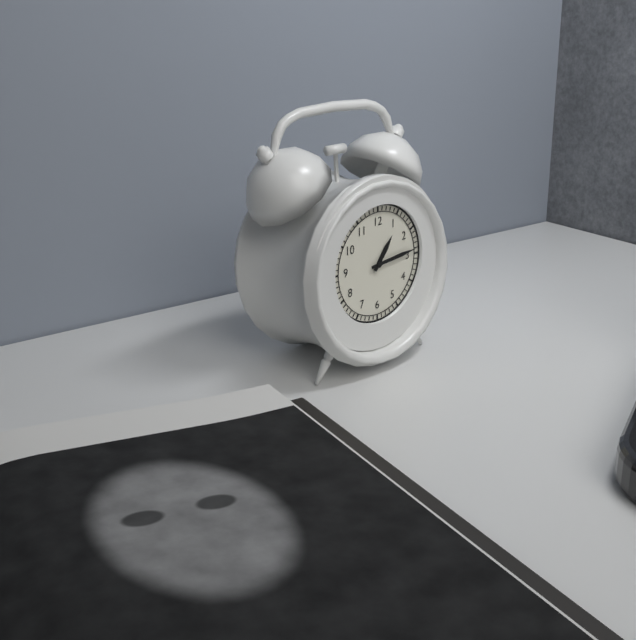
1:14
